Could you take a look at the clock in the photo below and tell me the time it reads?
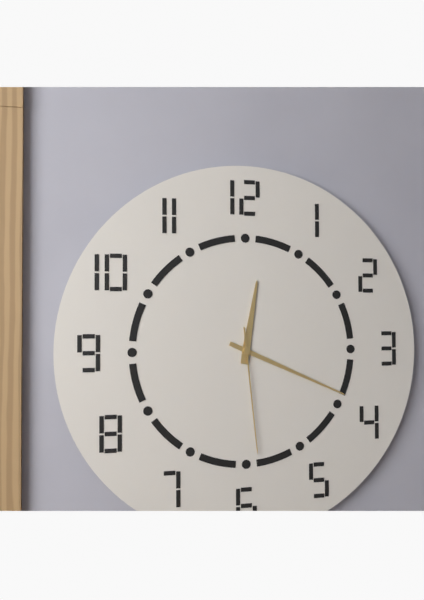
12:19:29
